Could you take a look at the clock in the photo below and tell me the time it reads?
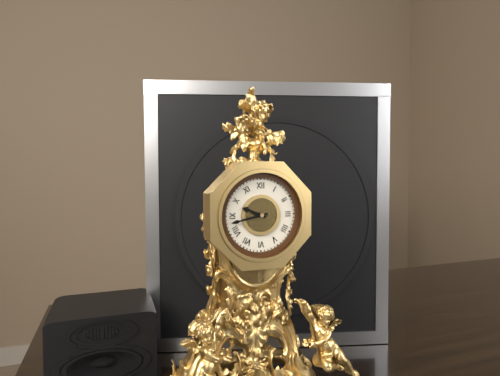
9:43
